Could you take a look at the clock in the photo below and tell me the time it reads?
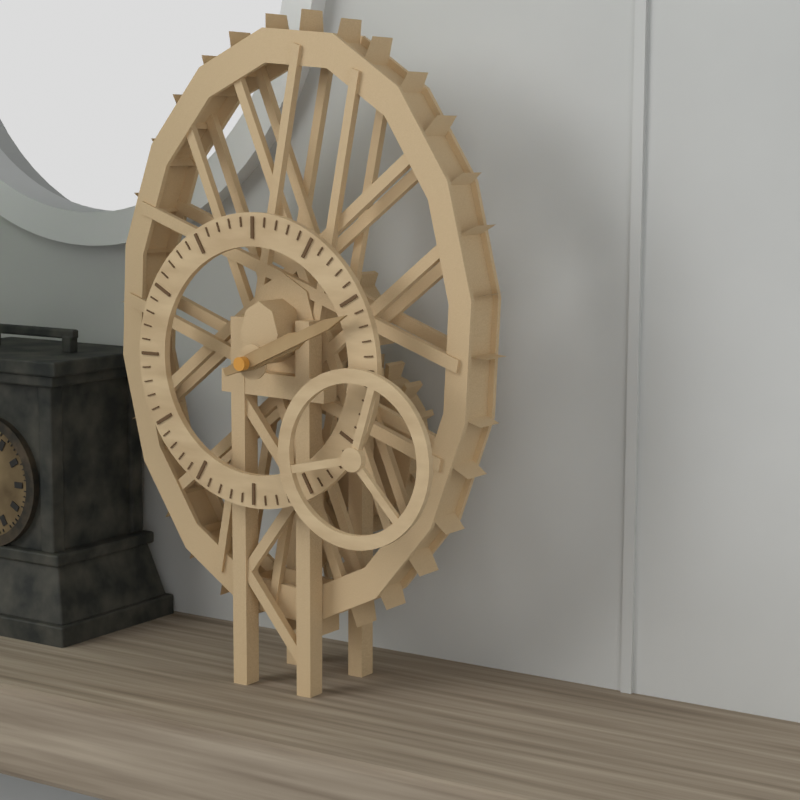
2:11
